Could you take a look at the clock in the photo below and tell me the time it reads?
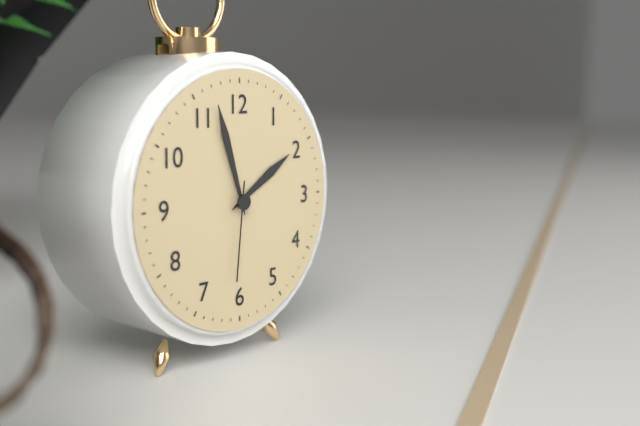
1:57:31
